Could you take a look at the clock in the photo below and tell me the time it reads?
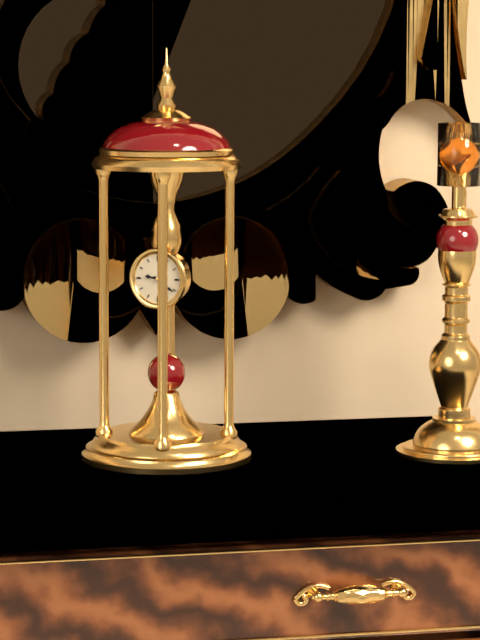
9:21
